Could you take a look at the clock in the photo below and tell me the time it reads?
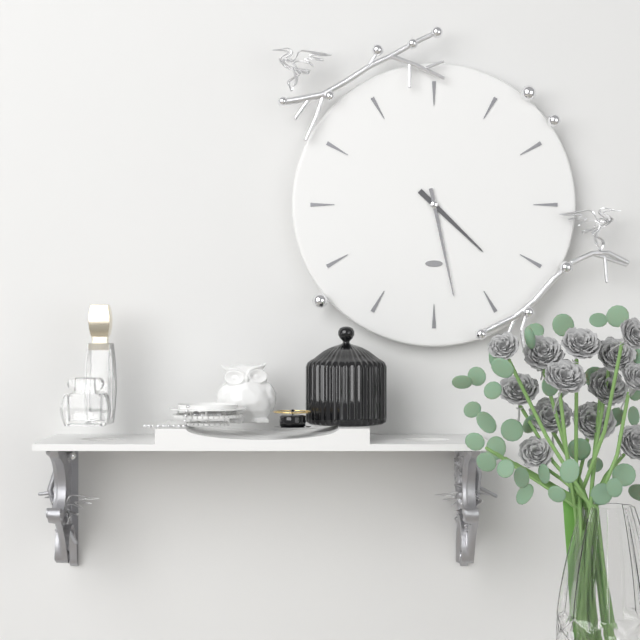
4:28
